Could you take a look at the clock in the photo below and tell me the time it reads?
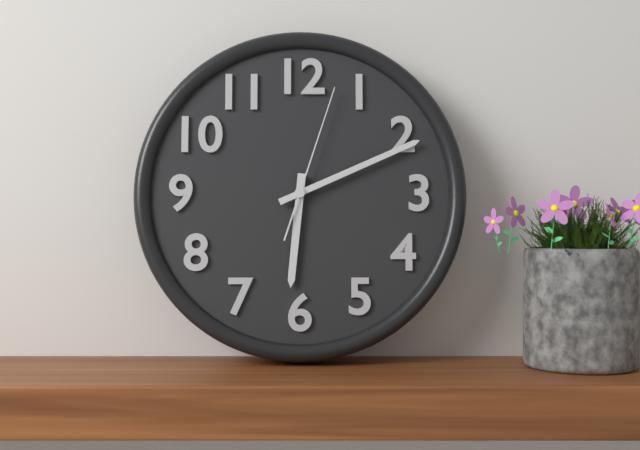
6:11:03
